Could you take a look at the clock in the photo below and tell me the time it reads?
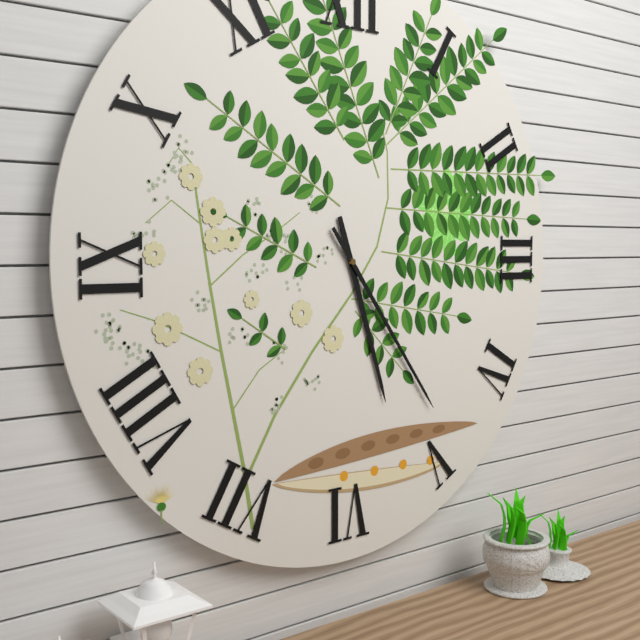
5:24
